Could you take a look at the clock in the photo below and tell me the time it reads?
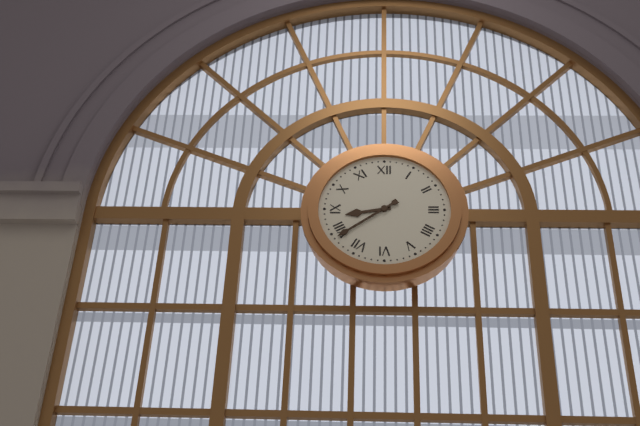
8:39
